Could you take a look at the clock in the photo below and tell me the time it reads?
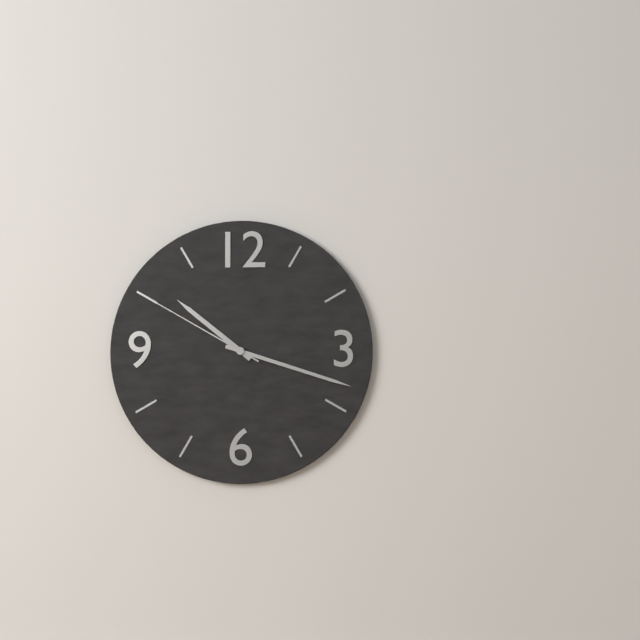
10:18:50
